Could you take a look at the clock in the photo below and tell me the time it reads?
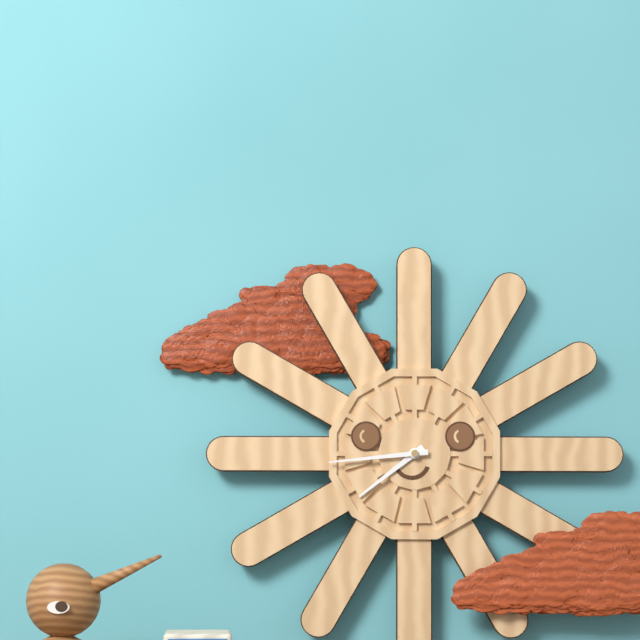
7:44
